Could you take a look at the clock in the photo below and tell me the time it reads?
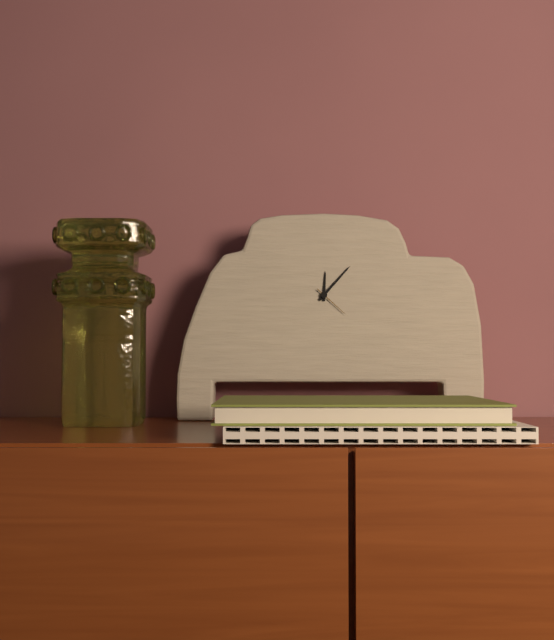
12:07
